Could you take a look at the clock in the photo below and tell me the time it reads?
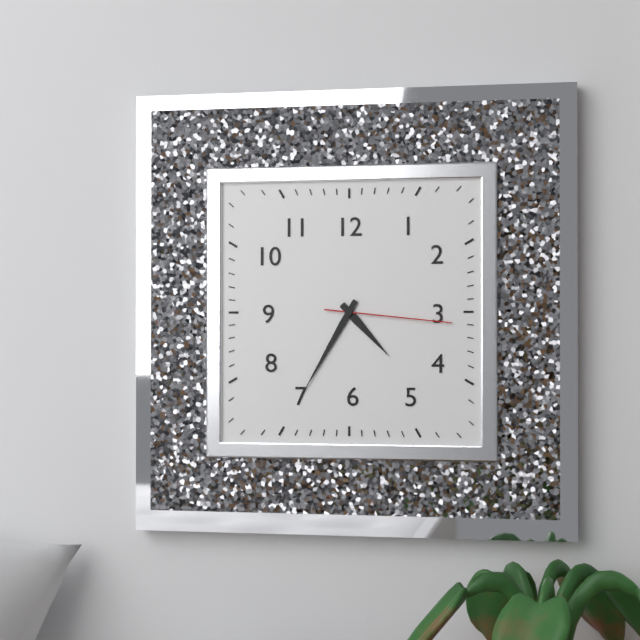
4:35:16
